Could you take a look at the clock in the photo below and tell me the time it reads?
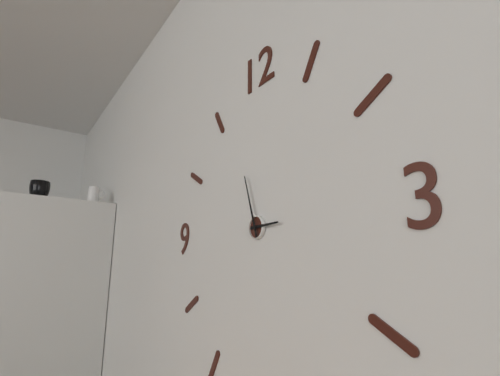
2:57
